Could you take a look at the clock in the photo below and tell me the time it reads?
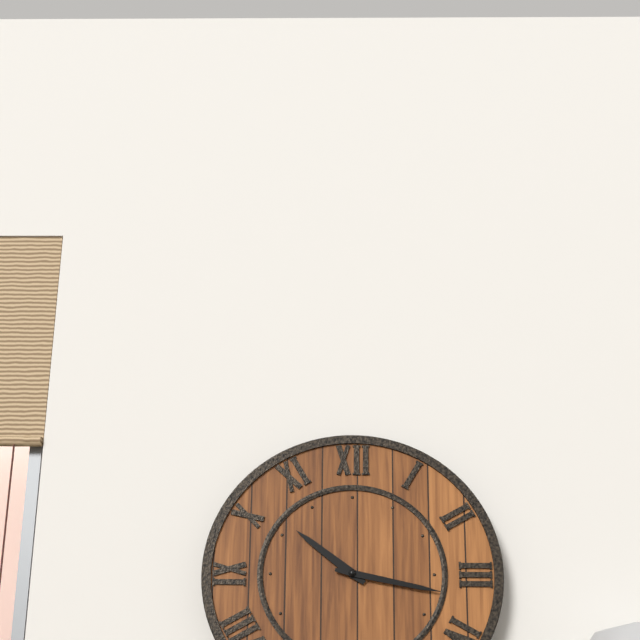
10:17
